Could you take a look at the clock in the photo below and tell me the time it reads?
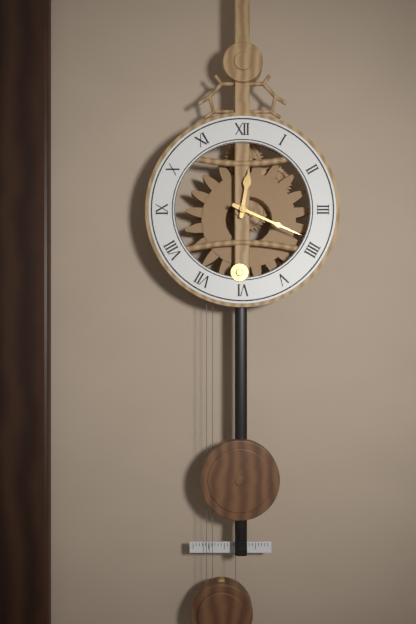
12:19
